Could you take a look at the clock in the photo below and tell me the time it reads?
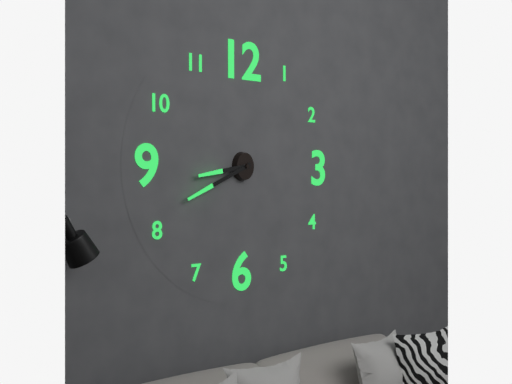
8:41
